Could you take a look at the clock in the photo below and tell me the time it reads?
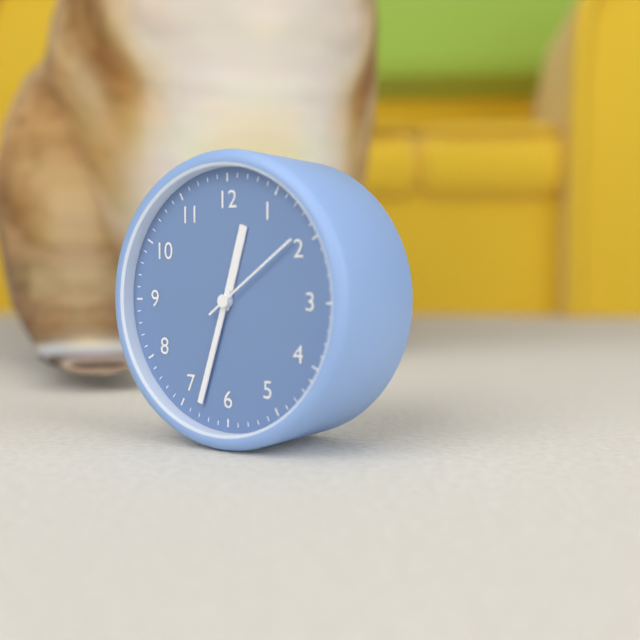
12:33:09
